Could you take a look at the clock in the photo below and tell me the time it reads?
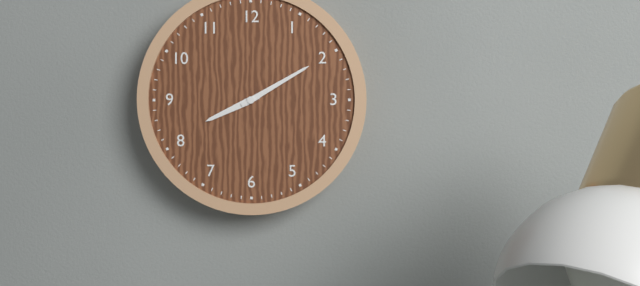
8:10
